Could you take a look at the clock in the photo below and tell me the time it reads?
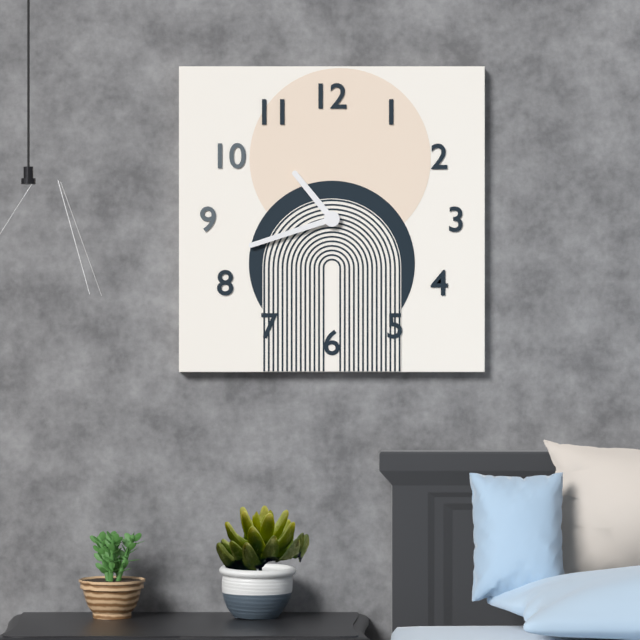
10:42
